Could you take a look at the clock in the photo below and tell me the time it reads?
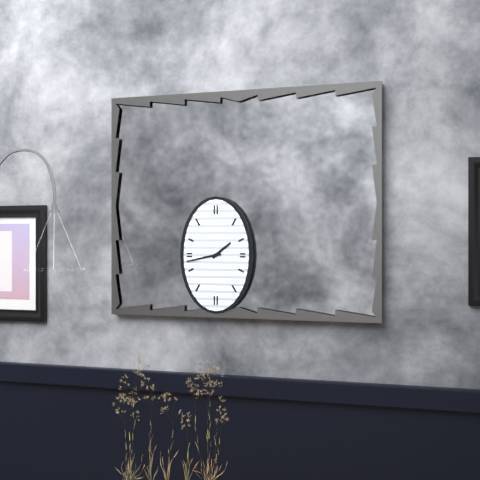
1:43
